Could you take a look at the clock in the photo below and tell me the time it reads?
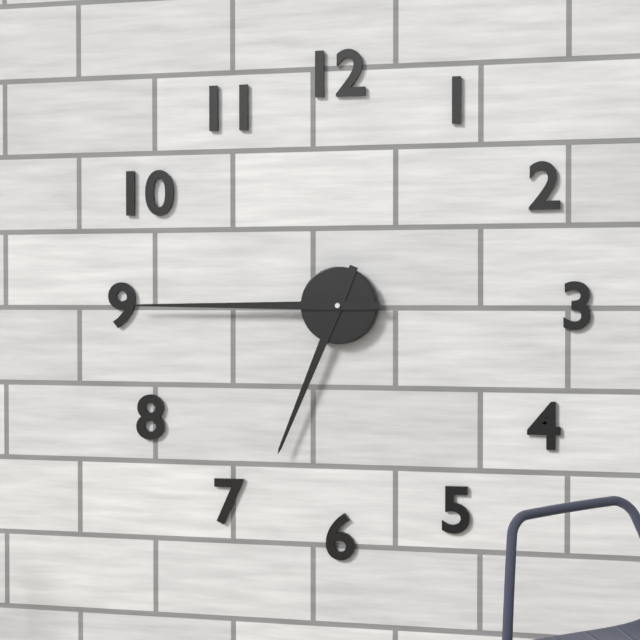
6:45
